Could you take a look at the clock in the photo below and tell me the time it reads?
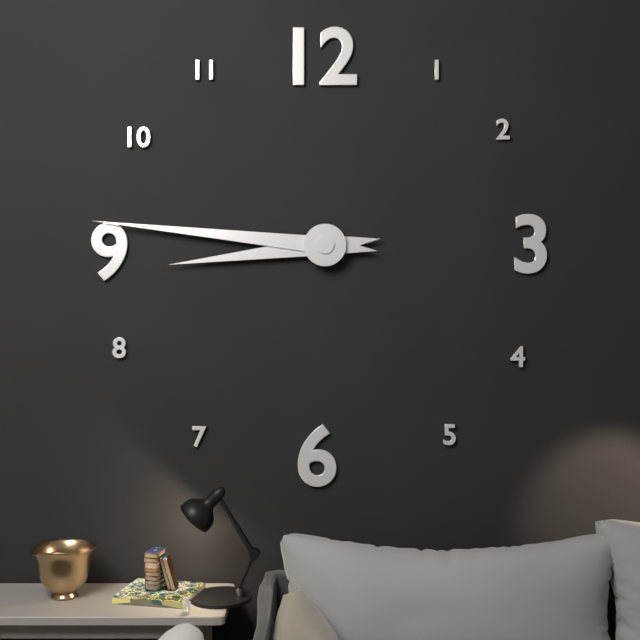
8:46
